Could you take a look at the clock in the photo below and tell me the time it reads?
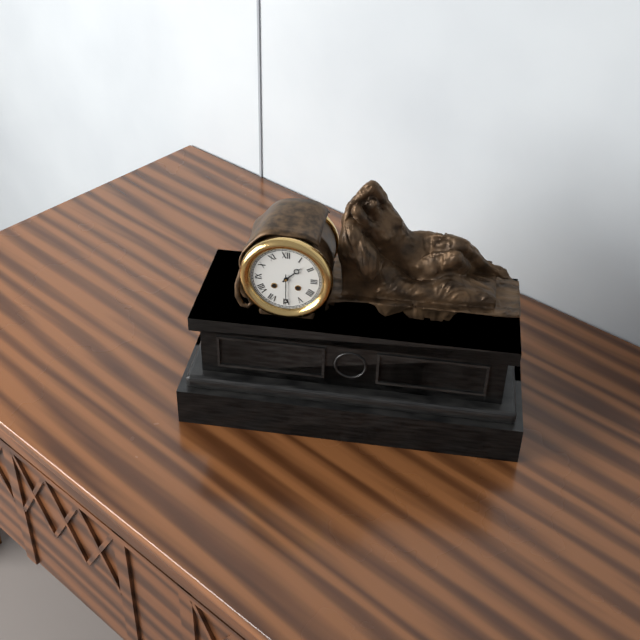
1:30
